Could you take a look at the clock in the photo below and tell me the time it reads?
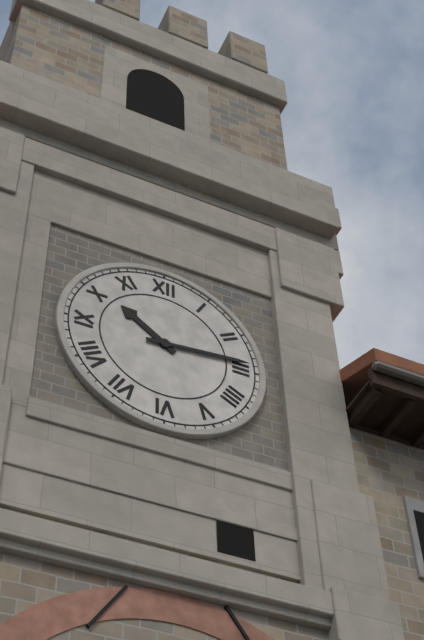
10:14
